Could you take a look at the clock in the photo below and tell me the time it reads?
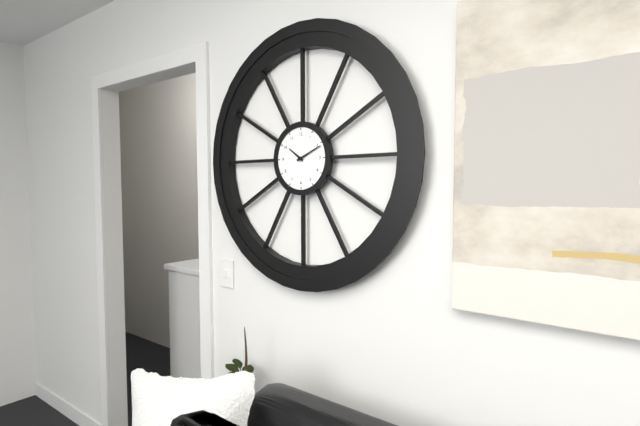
10:11
